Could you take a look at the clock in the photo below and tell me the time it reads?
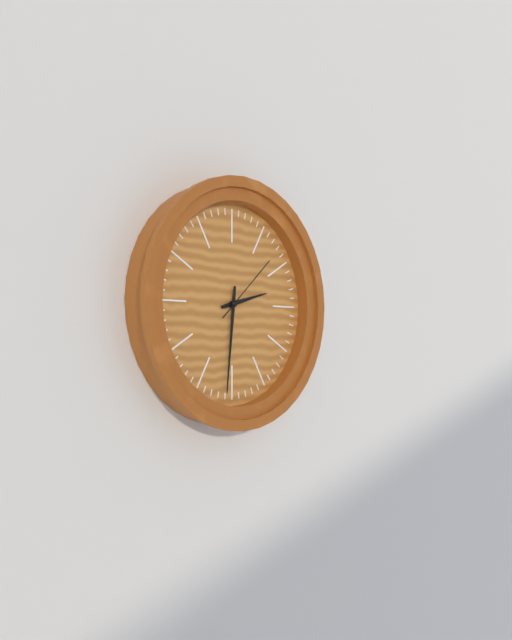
2:31:08
